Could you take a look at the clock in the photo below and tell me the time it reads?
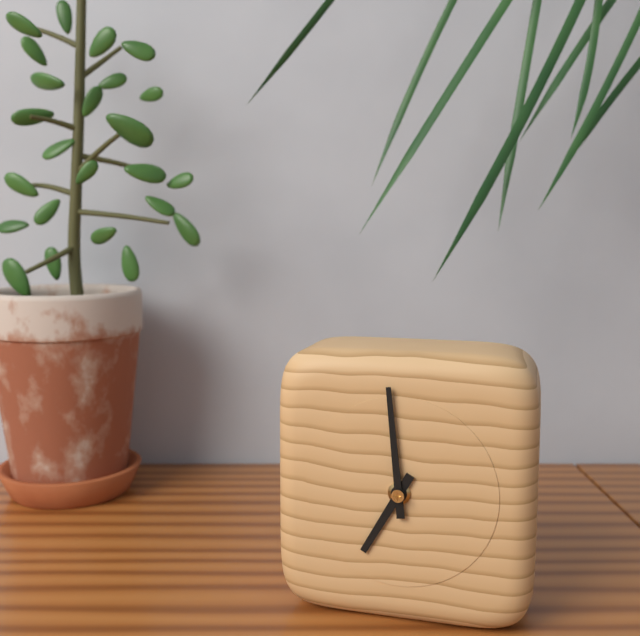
6:59
